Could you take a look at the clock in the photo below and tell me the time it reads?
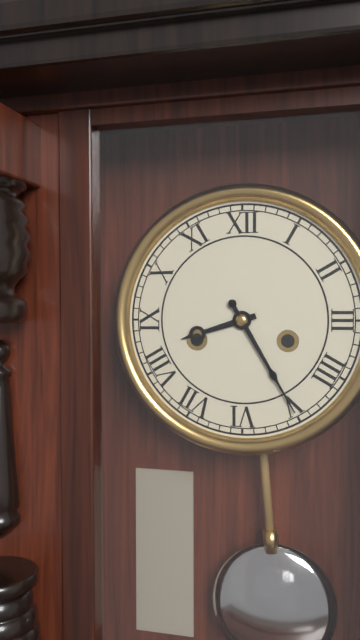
8:25
